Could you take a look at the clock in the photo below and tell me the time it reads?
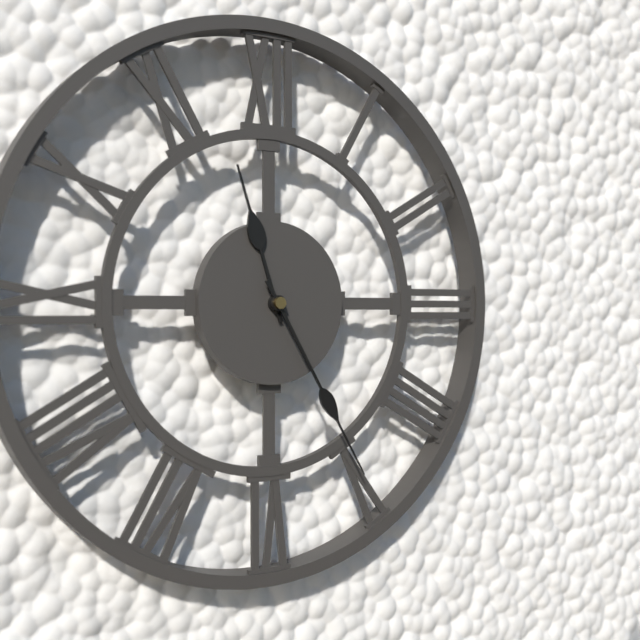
11:25
